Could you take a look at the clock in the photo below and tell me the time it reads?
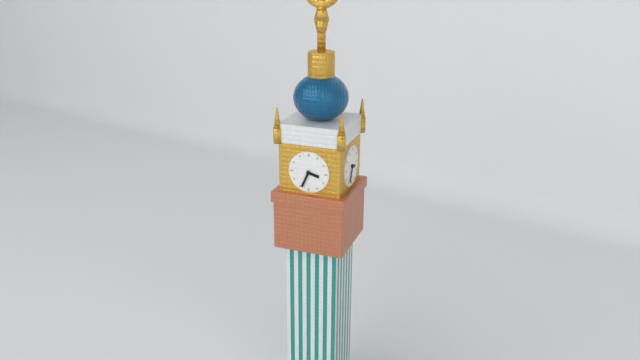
3:34
